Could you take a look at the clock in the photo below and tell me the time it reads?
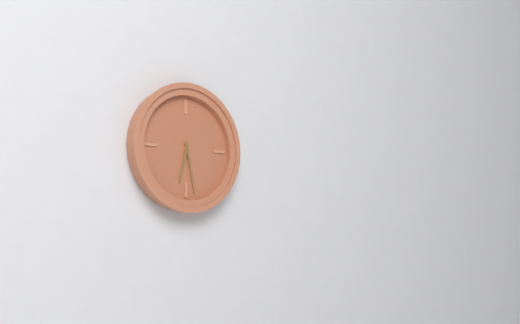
6:28
